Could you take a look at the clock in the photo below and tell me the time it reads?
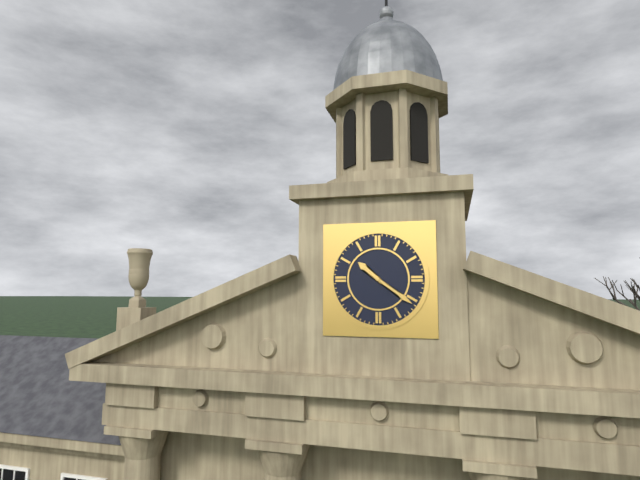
10:21
